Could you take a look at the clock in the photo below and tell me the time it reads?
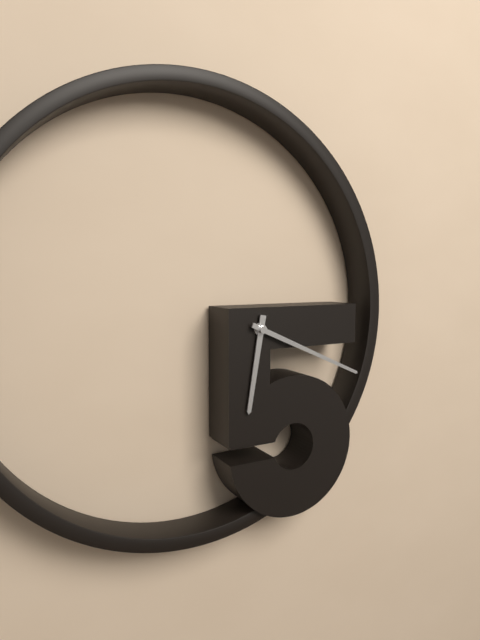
6:19
